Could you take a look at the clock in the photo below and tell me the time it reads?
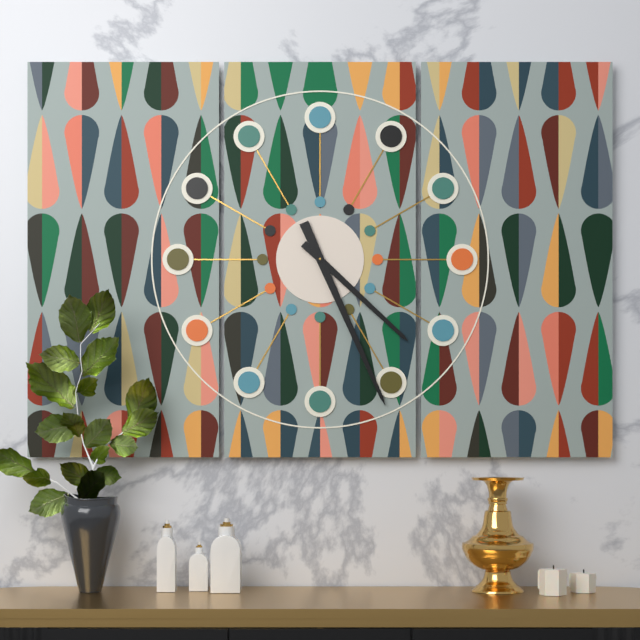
4:26
